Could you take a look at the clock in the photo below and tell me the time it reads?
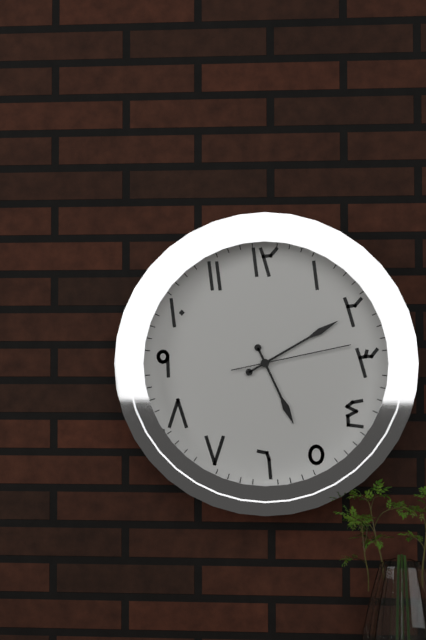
5:10:13
